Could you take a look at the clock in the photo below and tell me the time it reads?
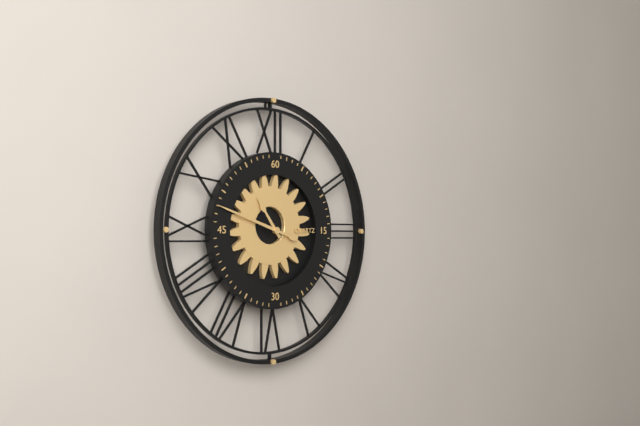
10:48
